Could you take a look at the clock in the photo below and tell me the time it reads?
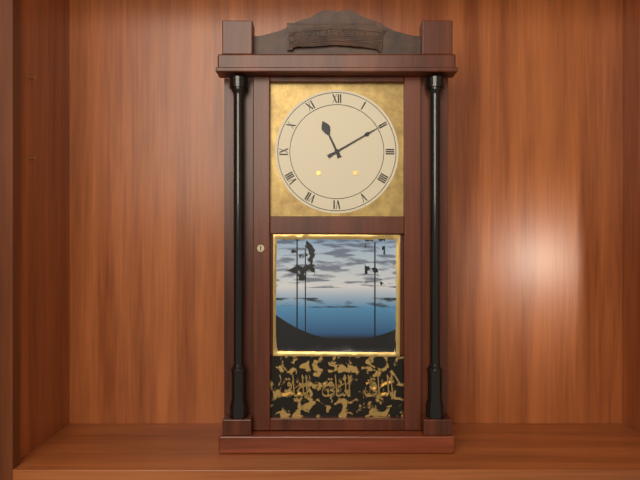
11:10
